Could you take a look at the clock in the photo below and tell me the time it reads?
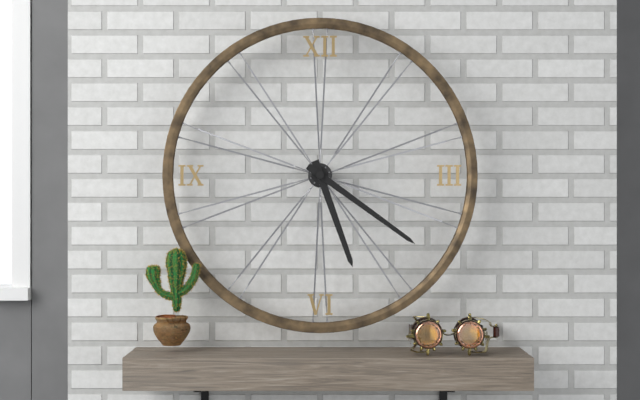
5:21
